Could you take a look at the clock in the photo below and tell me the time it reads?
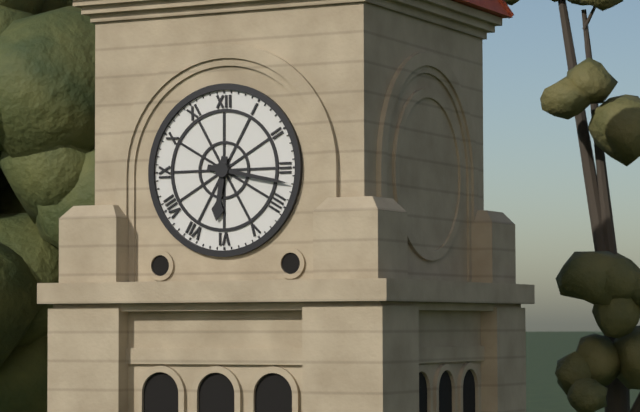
6:17
